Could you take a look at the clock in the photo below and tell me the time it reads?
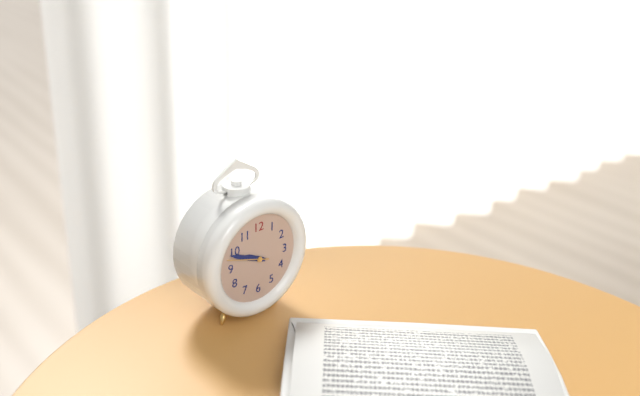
9:49
